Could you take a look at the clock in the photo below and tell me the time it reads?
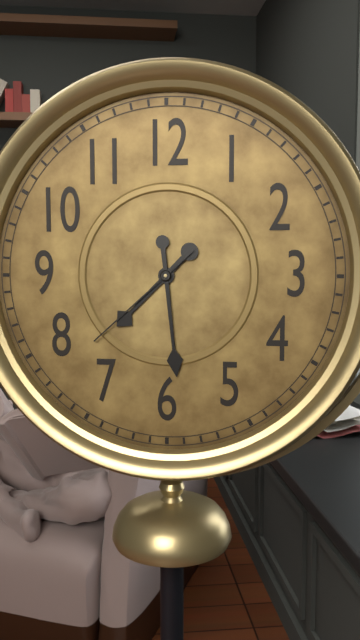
7:29:38
